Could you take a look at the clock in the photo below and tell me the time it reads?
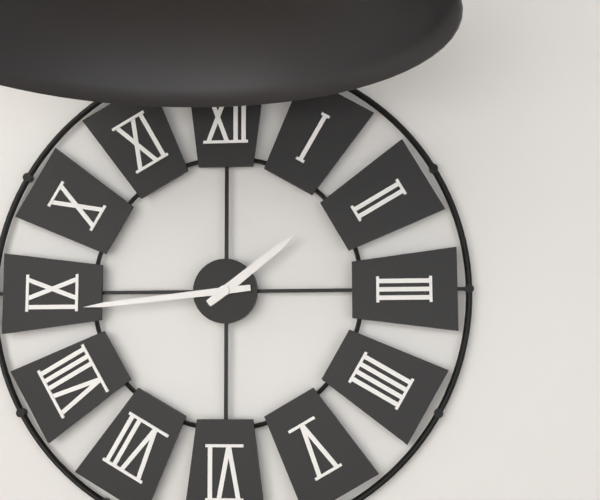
1:44
